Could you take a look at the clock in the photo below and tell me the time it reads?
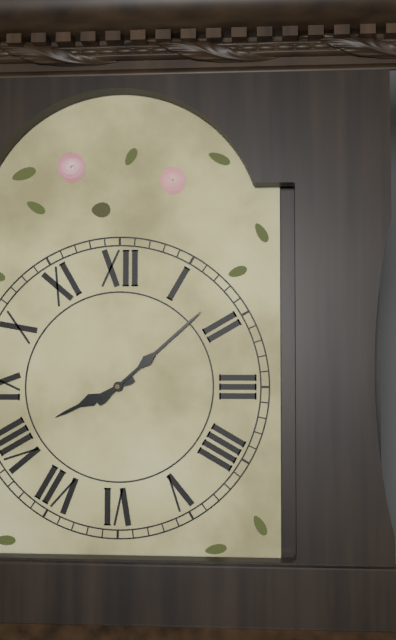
8:08
